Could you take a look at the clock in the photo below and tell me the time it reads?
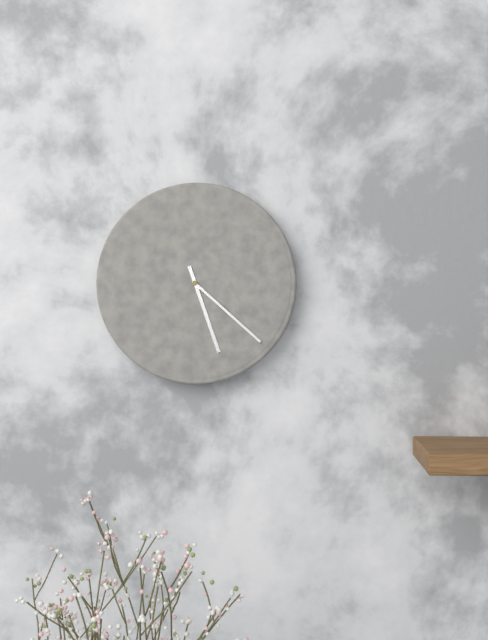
5:22
